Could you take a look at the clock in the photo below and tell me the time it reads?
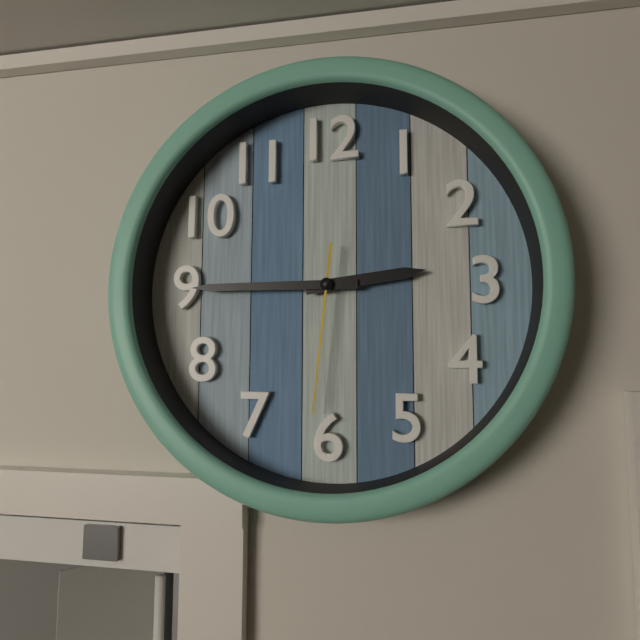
2:45:31
